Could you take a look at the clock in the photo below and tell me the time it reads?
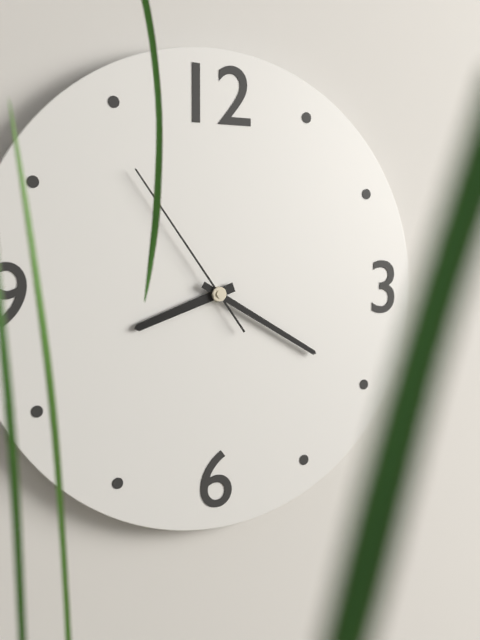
8:20:54
